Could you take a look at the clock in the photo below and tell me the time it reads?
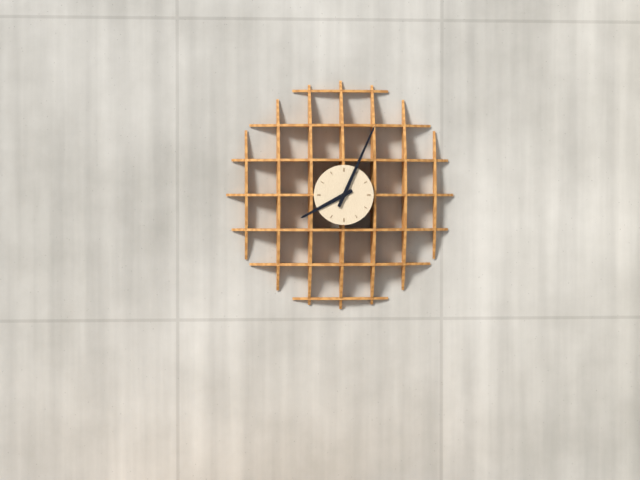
8:04
